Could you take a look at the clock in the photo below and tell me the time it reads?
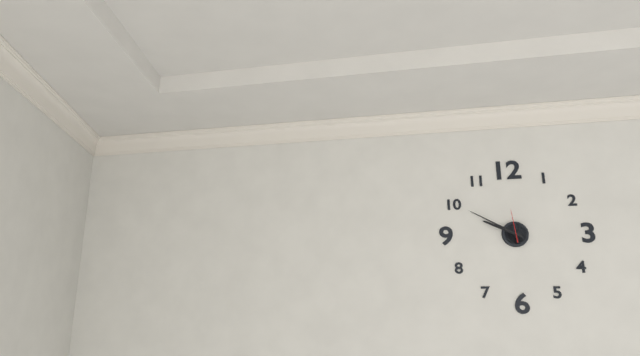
9:50
